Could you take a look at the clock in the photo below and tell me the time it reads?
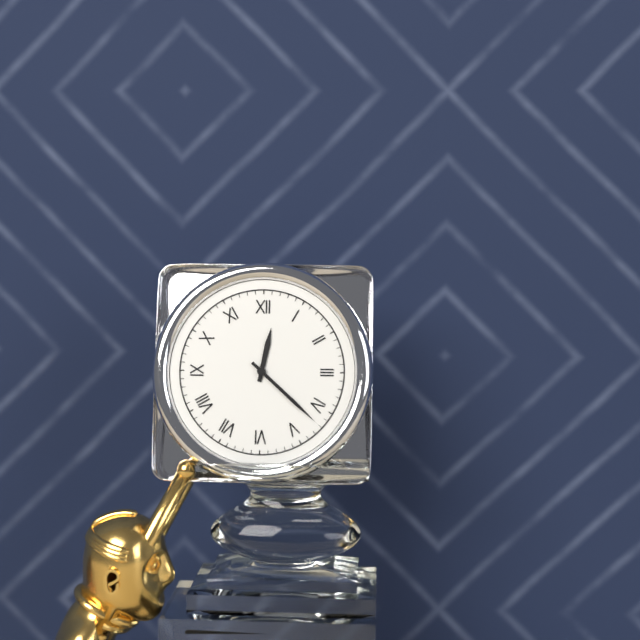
12:22
